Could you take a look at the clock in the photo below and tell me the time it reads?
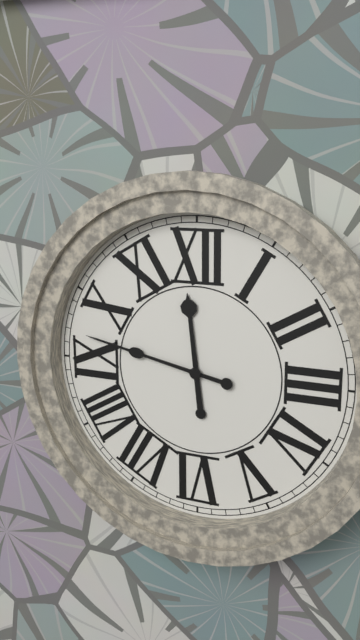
11:47
